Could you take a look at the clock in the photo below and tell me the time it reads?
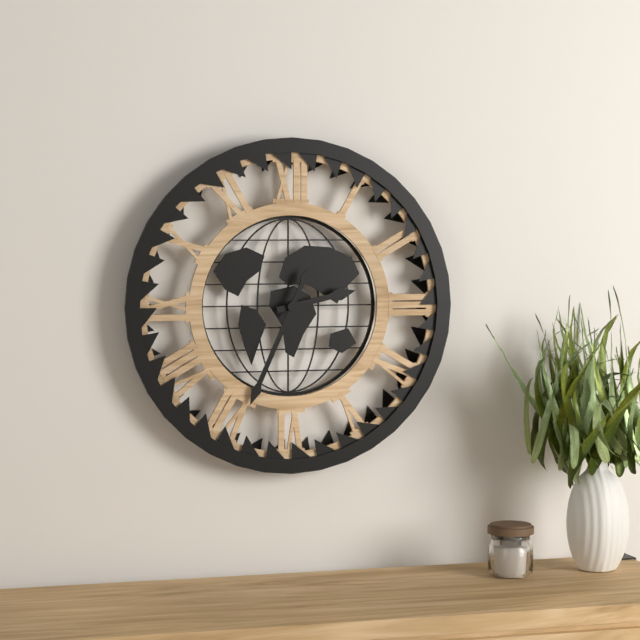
2:34
